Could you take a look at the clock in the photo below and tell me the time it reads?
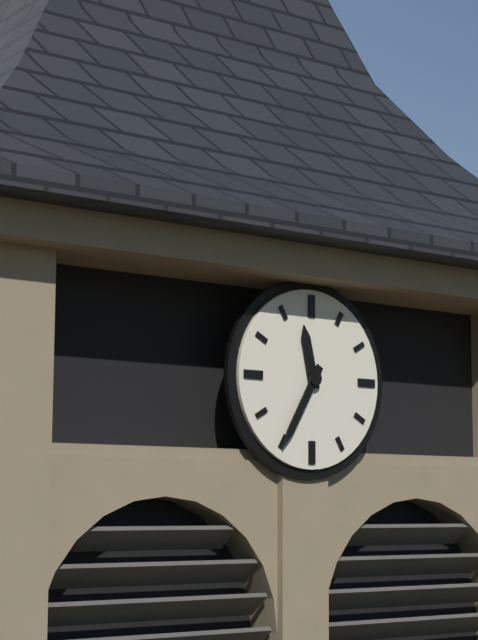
11:35
